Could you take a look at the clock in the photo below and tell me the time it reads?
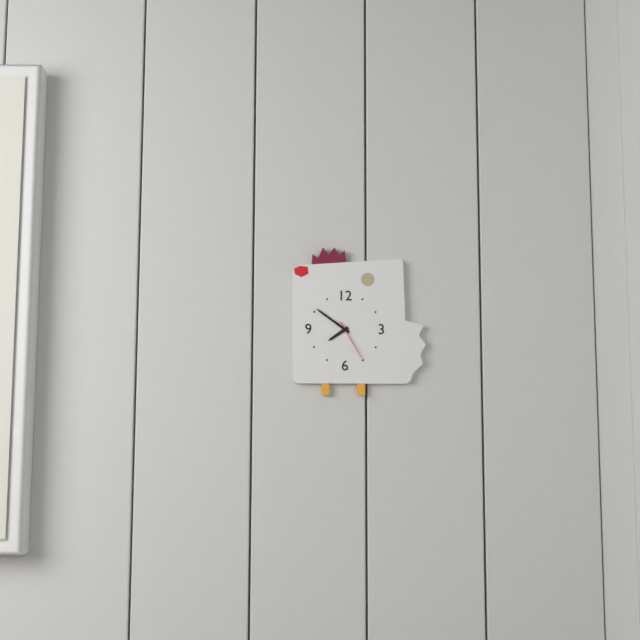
7:51
